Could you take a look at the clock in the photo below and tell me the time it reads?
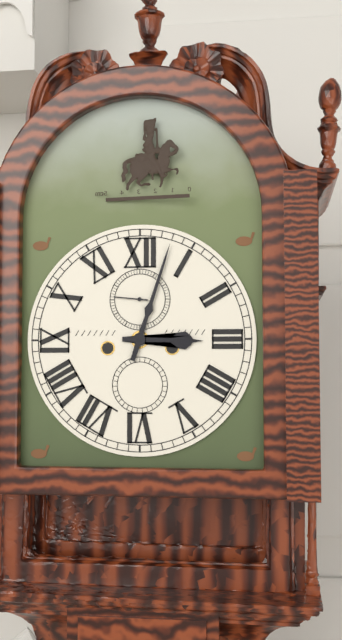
3:03
